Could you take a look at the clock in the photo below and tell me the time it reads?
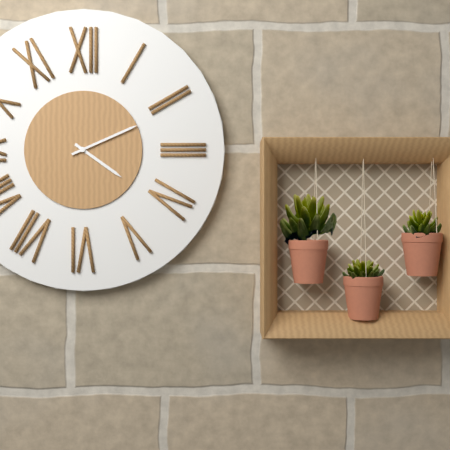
4:11
